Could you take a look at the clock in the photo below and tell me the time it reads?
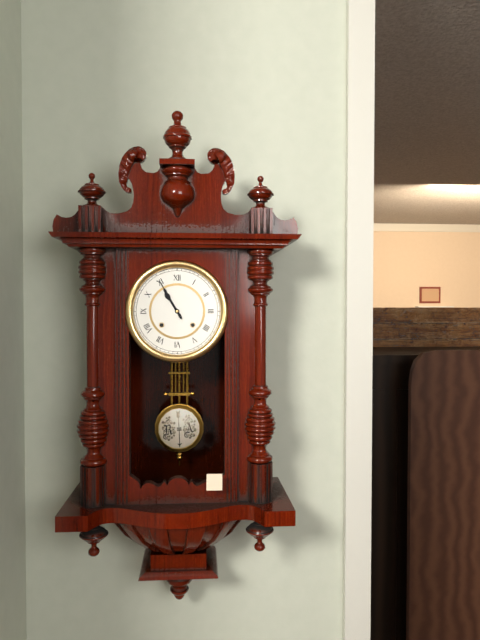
10:55
